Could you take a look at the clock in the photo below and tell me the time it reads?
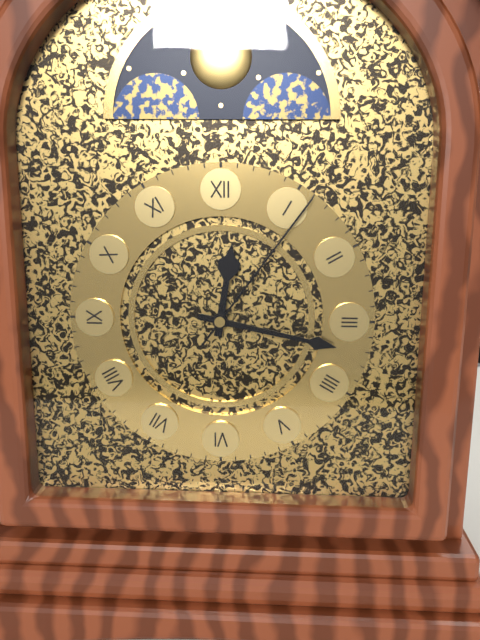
12:17:06
